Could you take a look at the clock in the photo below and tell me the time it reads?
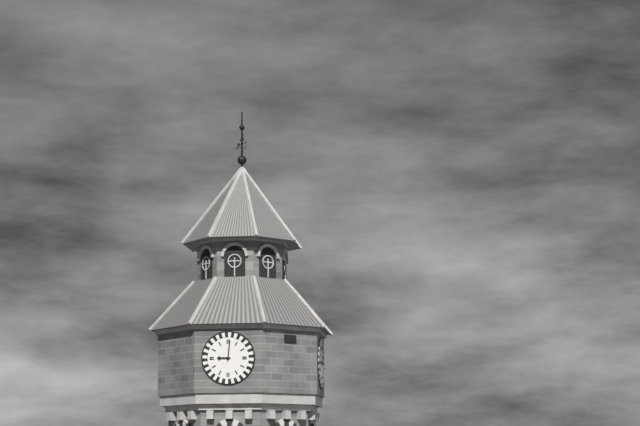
9:01
